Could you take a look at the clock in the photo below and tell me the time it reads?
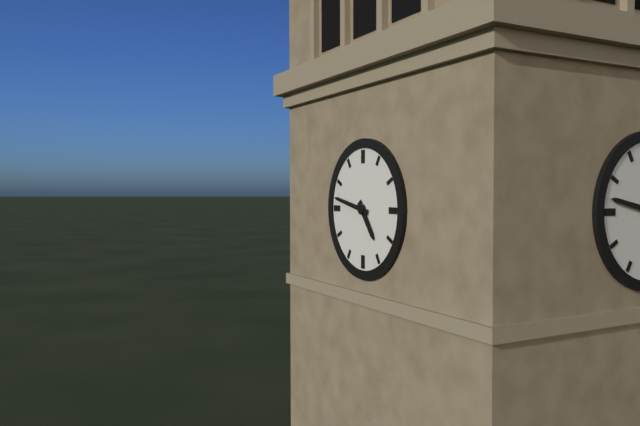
4:47
